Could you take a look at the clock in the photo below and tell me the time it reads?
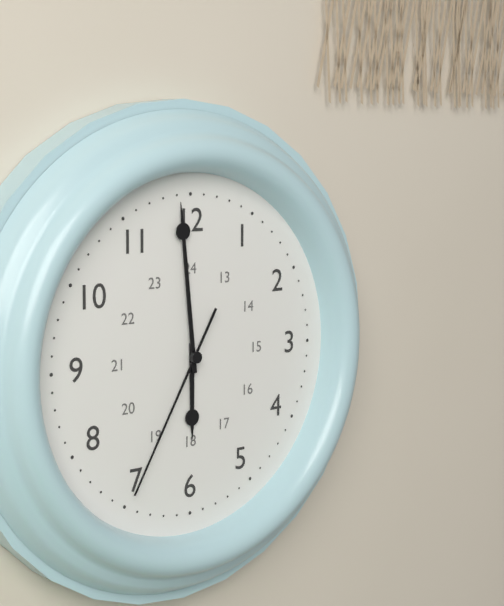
5:59:35
